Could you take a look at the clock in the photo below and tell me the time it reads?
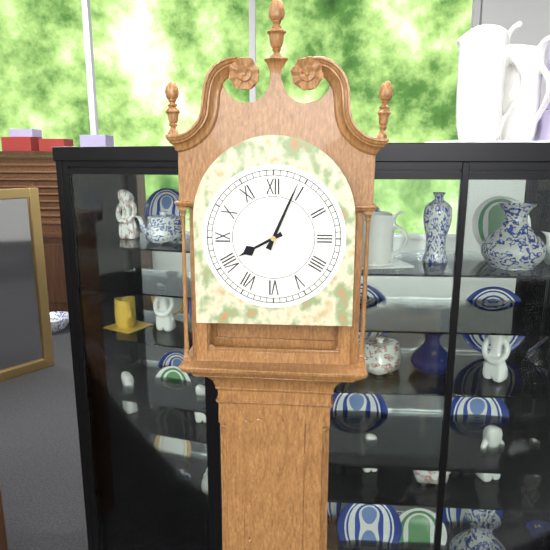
8:04
